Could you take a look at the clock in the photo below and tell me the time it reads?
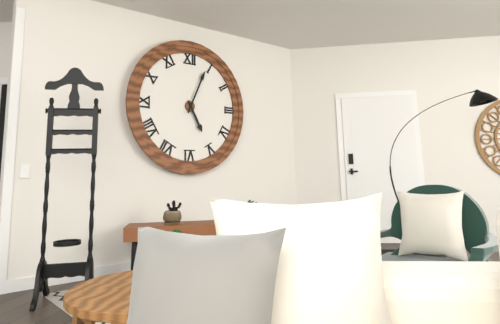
5:04
